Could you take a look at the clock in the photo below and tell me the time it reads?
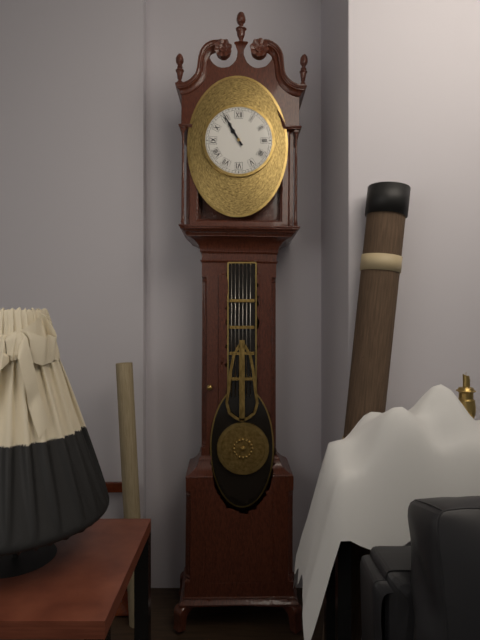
10:55
